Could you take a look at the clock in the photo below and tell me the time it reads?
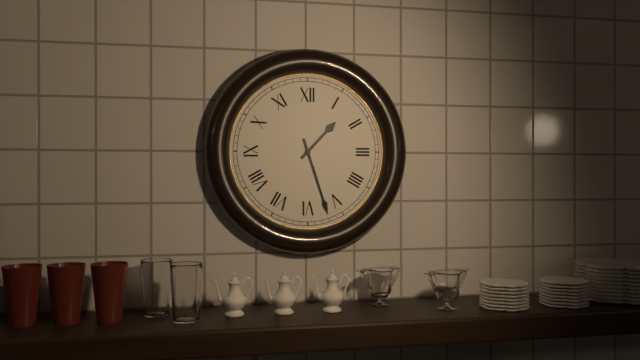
1:27
